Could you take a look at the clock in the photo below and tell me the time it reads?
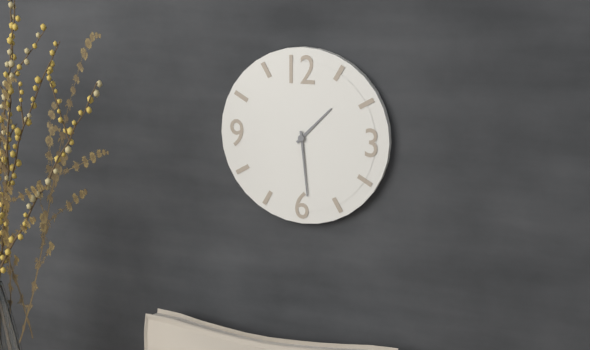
1:29
